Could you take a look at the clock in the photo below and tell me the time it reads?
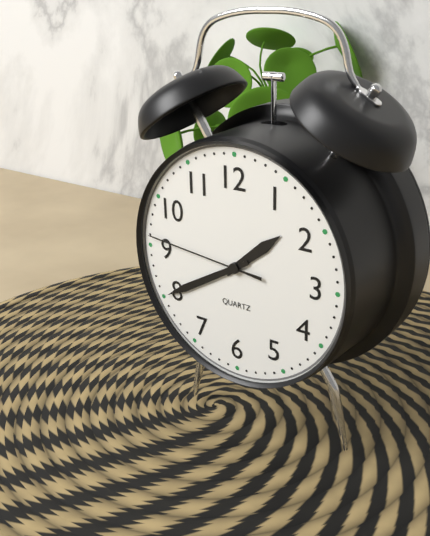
1:40:46
